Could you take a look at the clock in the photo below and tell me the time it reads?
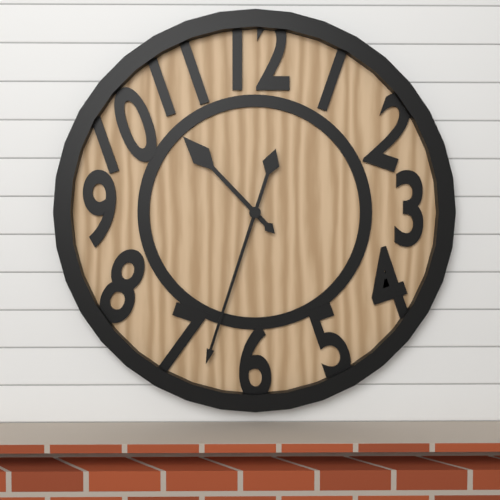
10:33
